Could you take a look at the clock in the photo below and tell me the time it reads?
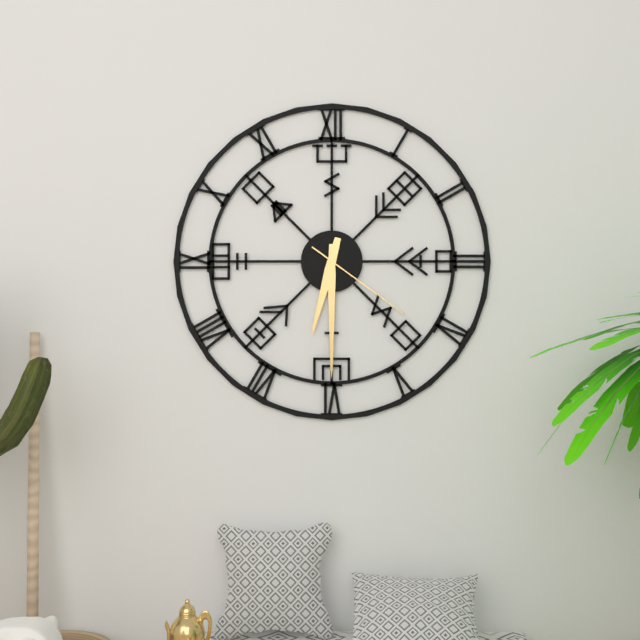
6:30:21
